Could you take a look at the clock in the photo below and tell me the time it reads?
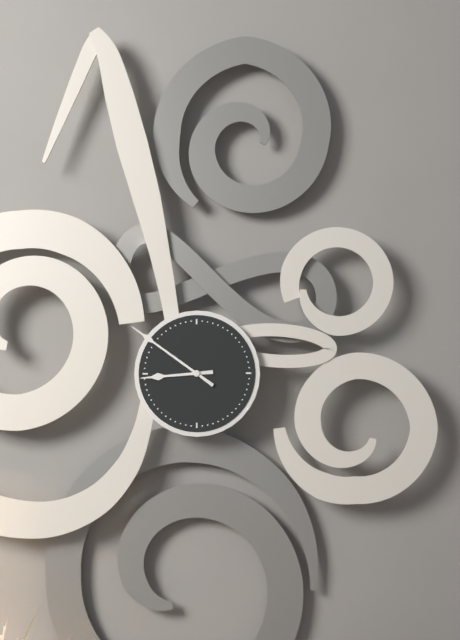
8:51
